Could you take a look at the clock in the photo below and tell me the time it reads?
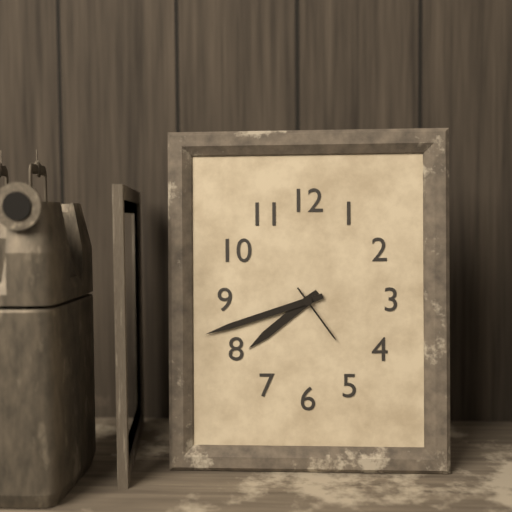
7:42:24
